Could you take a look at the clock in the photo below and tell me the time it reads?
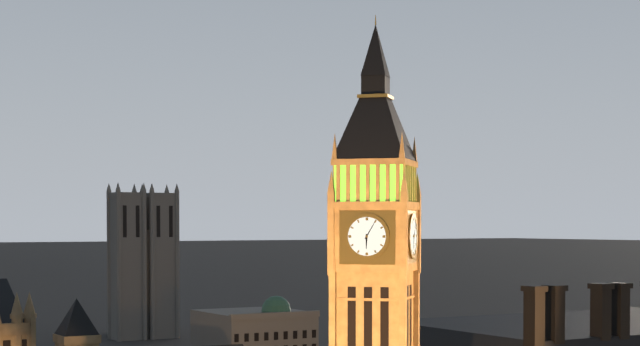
6:05
